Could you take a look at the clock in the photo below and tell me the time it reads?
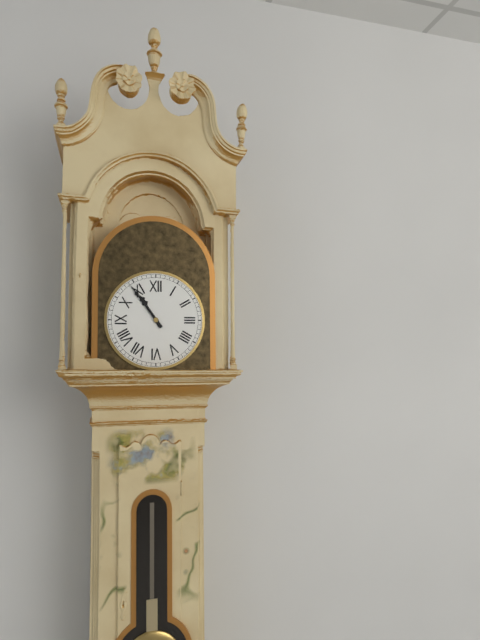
10:54
